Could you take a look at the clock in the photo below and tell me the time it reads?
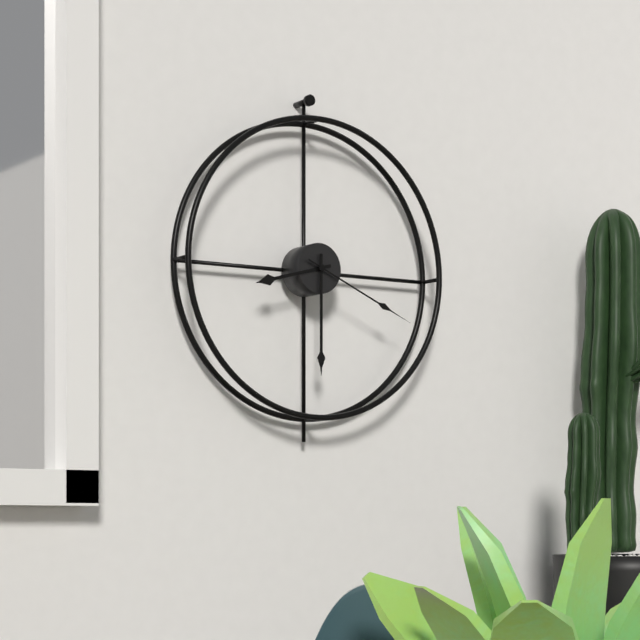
8:30:19
